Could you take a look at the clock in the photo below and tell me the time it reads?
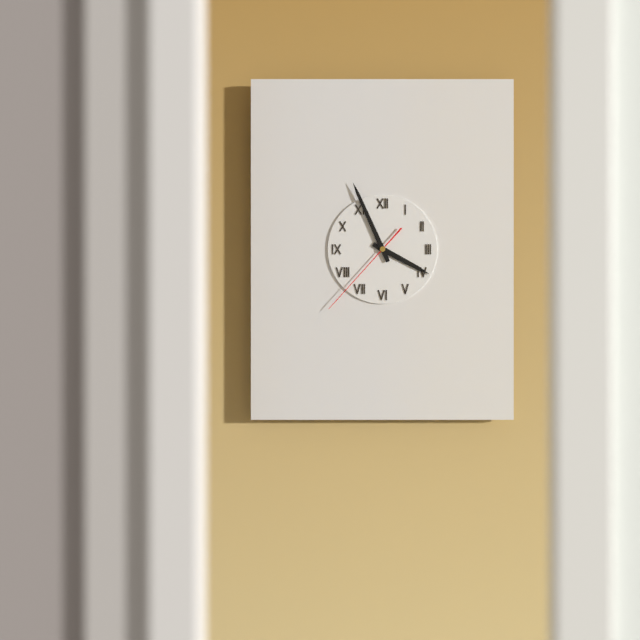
3:56:37
